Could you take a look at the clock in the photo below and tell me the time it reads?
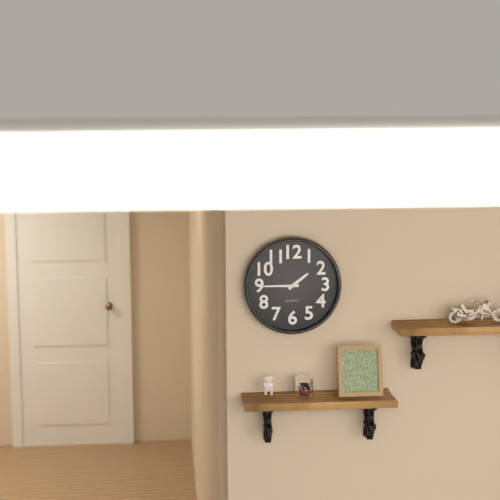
1:45
